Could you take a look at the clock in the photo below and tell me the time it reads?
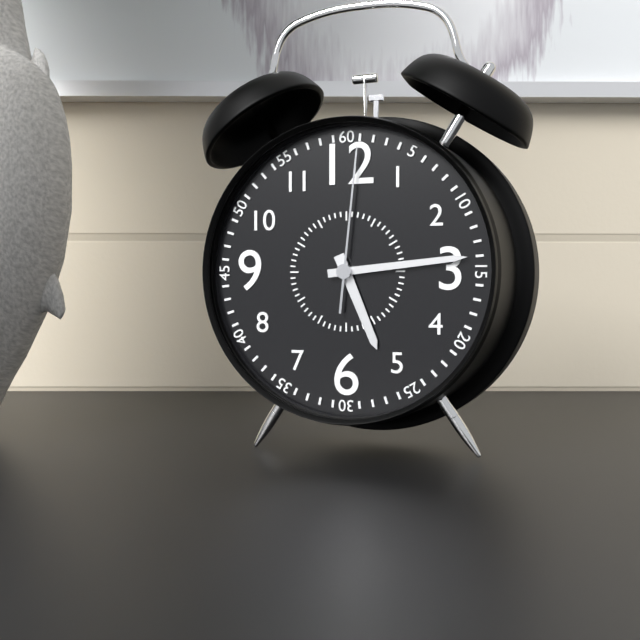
5:14:01
